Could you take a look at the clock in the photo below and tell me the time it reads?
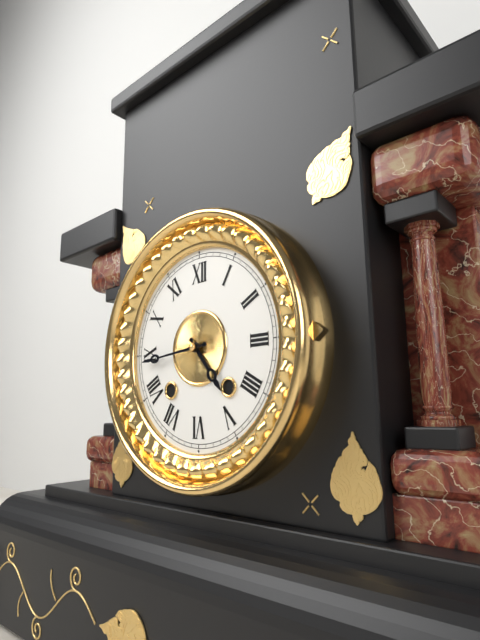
4:44
